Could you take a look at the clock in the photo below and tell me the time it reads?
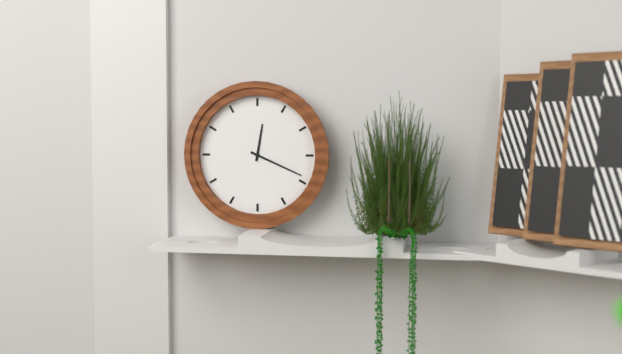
12:19
